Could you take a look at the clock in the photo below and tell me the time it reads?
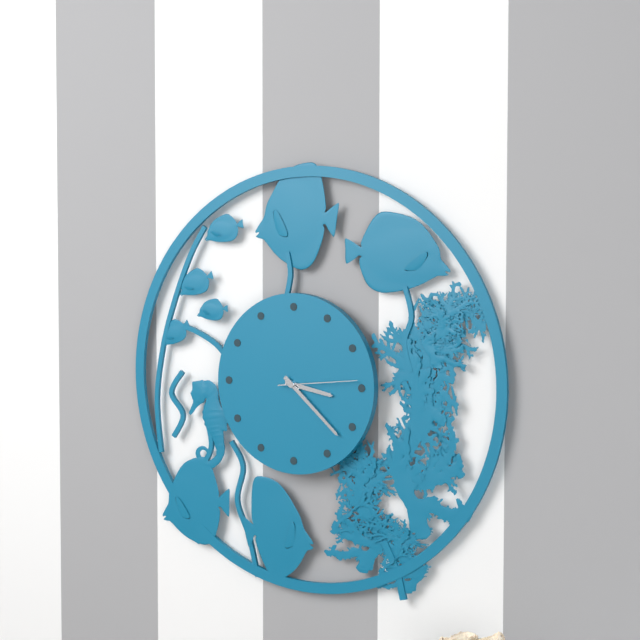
3:22:14
